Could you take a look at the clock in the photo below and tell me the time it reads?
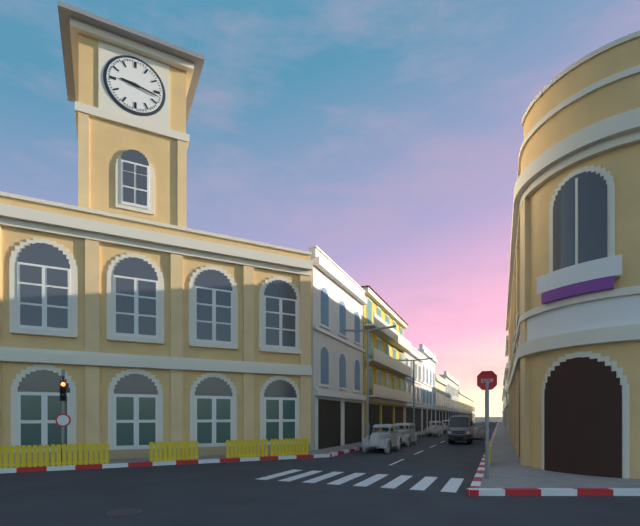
9:17
